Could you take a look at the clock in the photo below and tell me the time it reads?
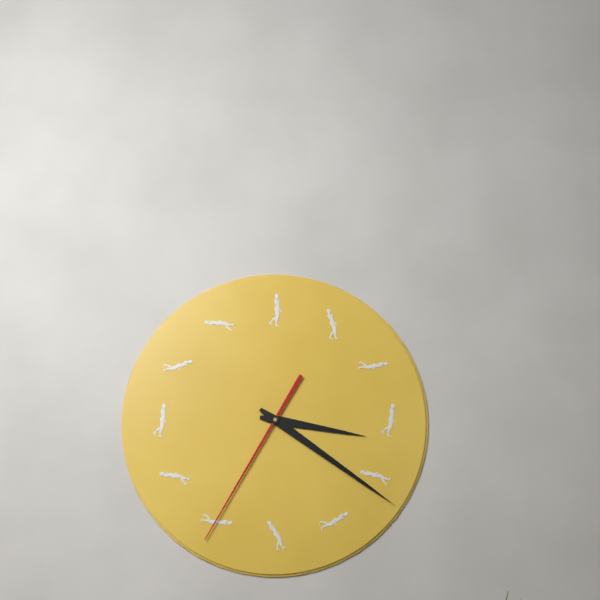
3:21:35
